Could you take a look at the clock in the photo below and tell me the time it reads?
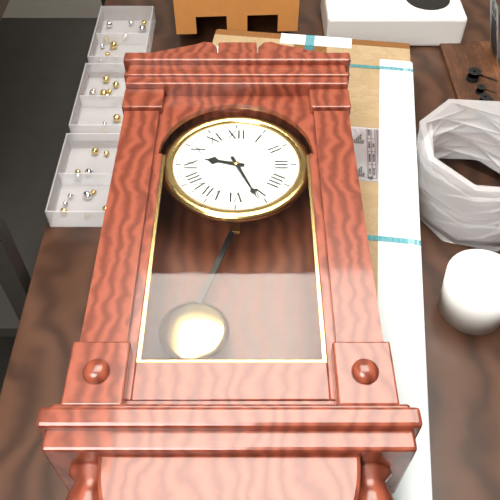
9:26
